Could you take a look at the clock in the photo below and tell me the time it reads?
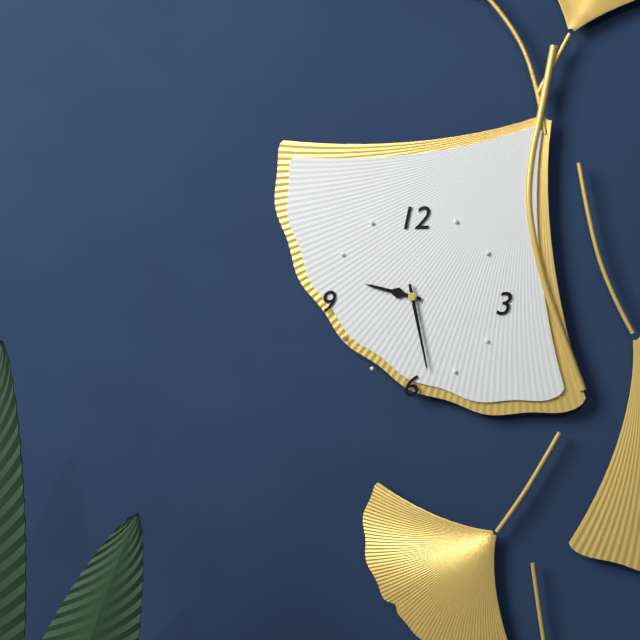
9:28
